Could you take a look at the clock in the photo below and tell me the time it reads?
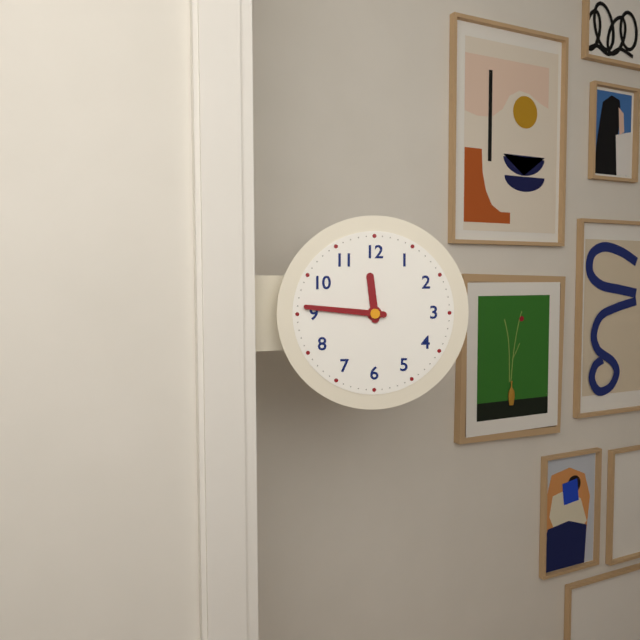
11:46
